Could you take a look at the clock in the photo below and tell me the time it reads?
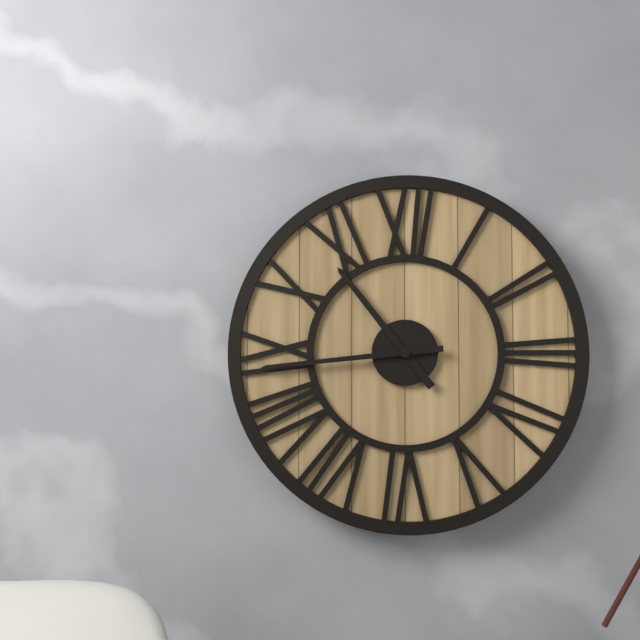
10:44
